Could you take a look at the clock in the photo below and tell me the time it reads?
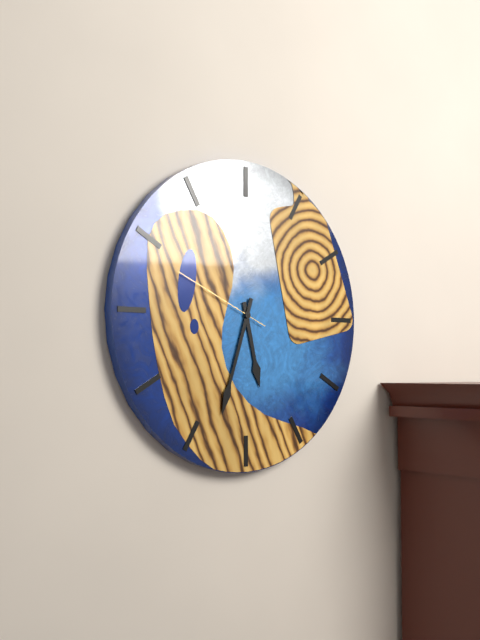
5:33:49
